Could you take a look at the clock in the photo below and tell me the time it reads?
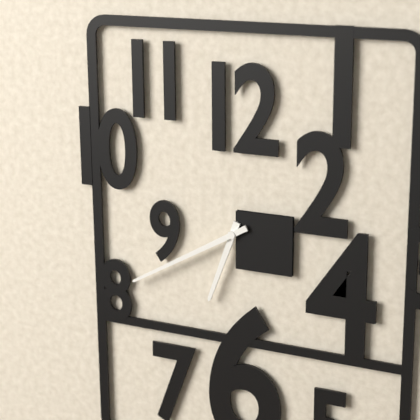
6:40
